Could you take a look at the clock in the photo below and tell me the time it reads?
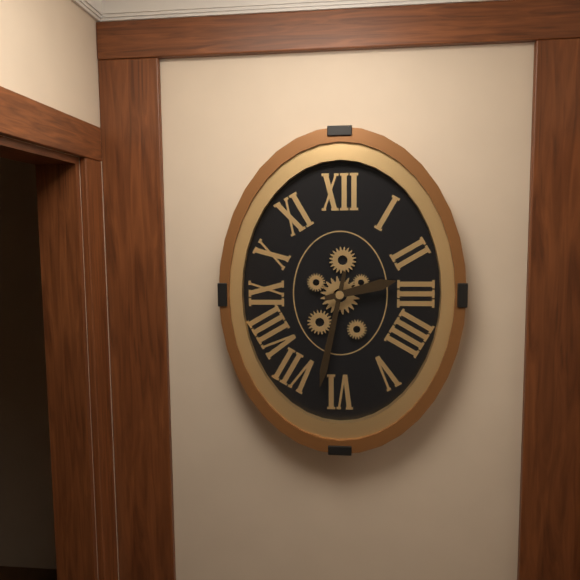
2:32
